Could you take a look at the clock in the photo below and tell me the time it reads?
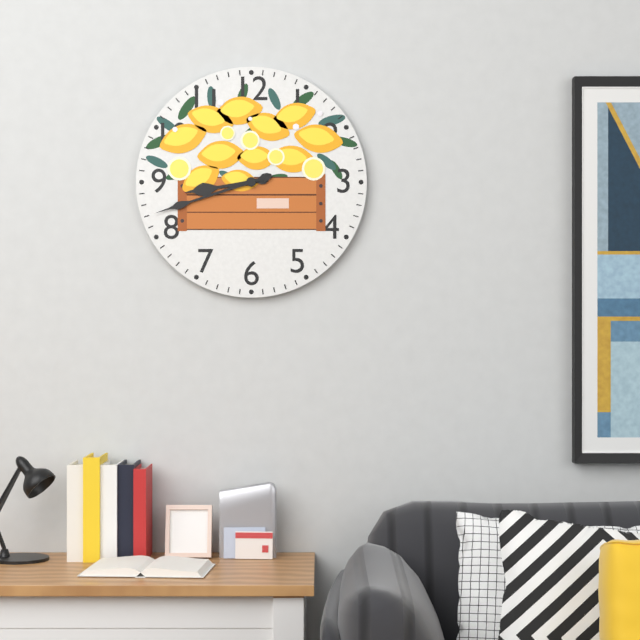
8:42
